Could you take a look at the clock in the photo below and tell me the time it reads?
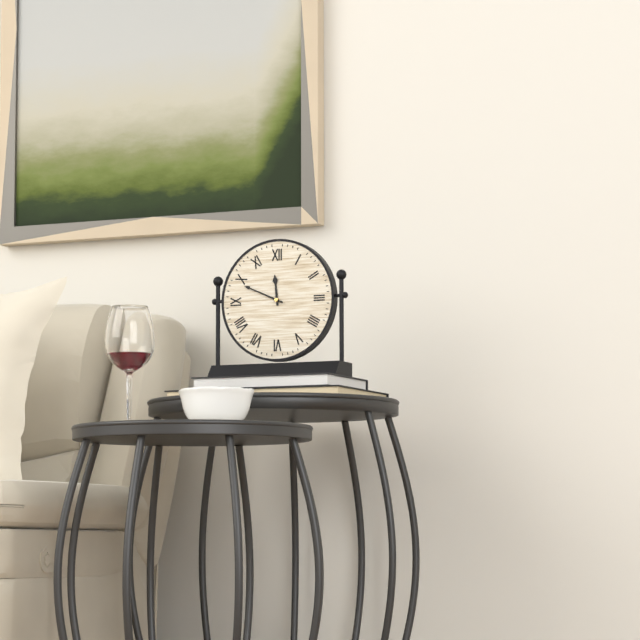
11:49
